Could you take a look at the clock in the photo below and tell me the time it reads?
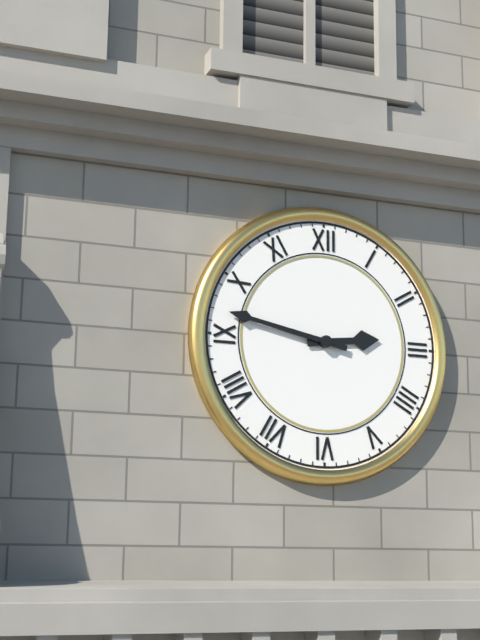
2:47
